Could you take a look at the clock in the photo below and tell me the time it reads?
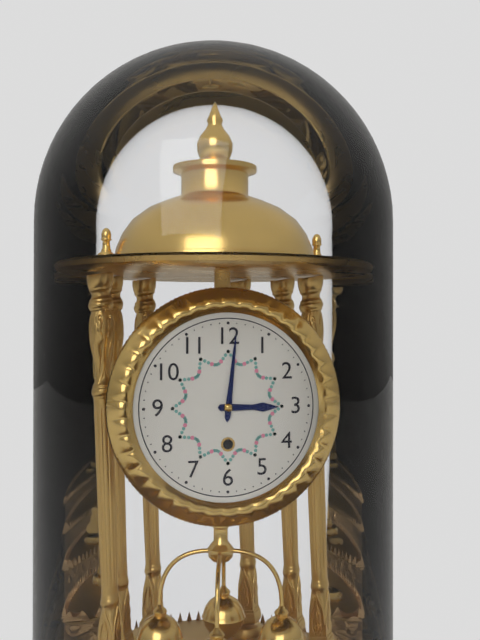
3:01
